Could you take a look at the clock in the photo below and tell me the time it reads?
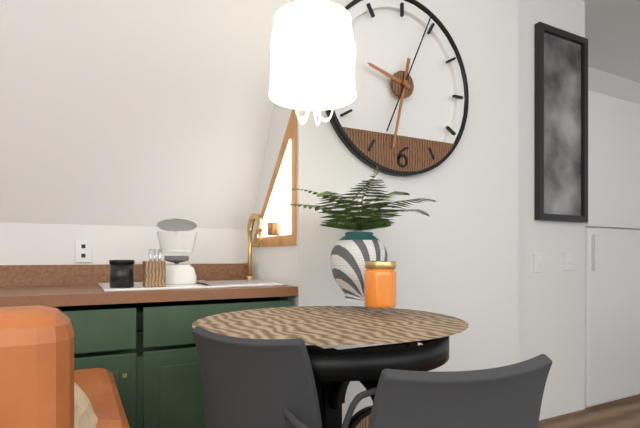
9:32:04
